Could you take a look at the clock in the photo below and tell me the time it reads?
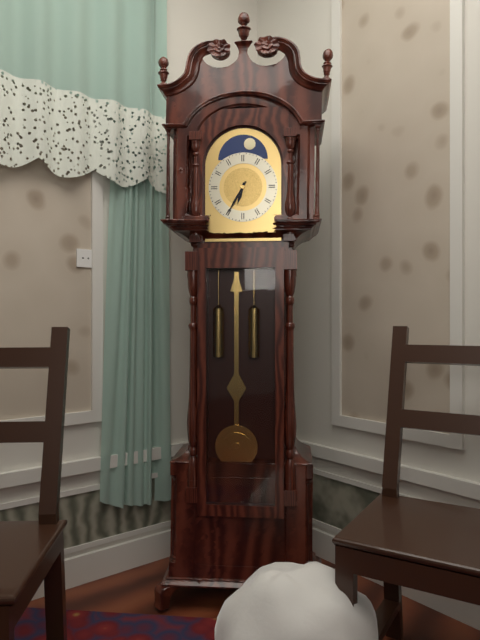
6:35
